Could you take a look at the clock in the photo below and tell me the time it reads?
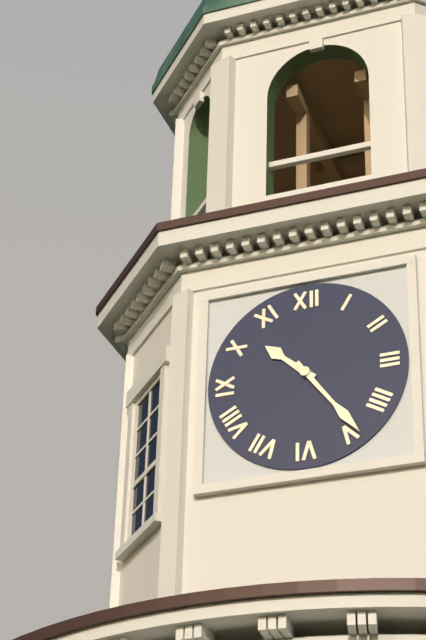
10:24
